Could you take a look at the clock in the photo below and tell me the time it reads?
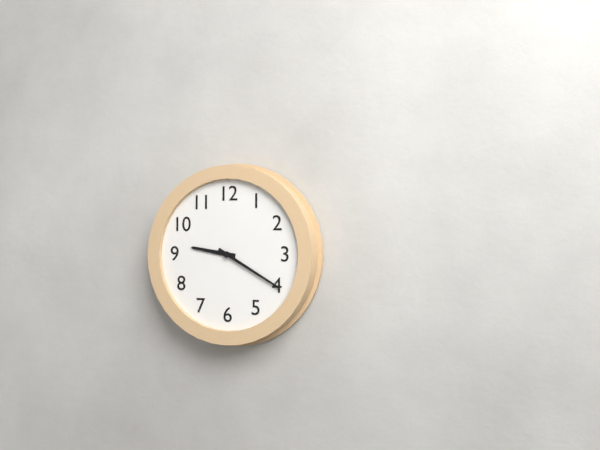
9:20
